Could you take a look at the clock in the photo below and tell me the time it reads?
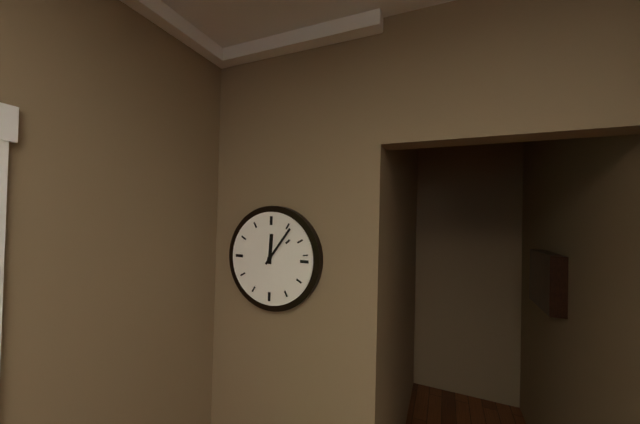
12:06
